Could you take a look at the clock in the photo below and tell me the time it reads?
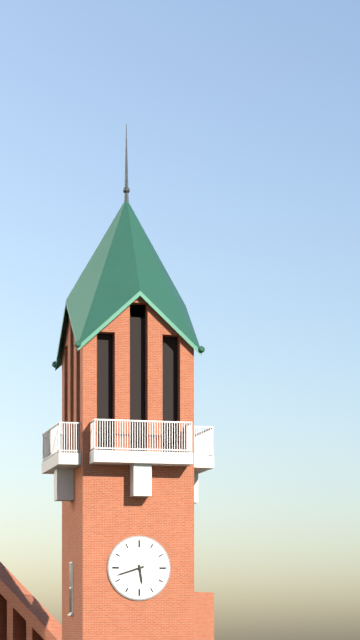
5:42
